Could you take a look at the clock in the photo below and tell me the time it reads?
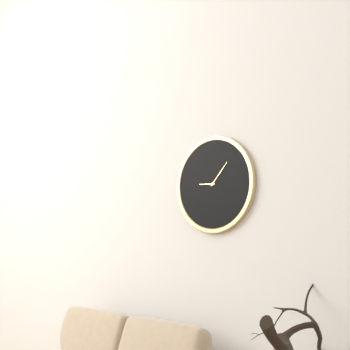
9:07
